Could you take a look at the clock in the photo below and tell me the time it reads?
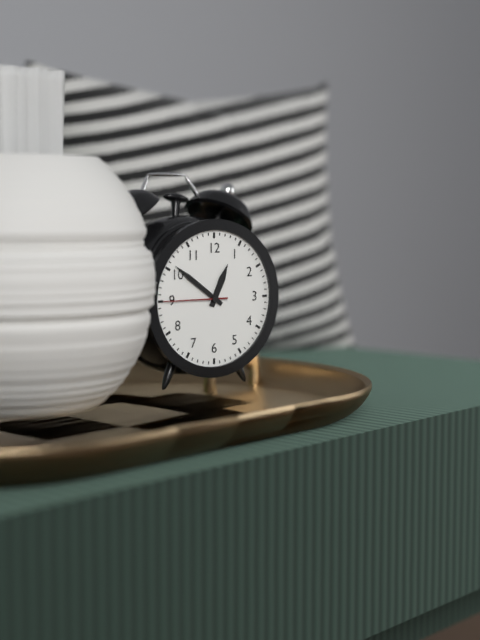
12:51:45
